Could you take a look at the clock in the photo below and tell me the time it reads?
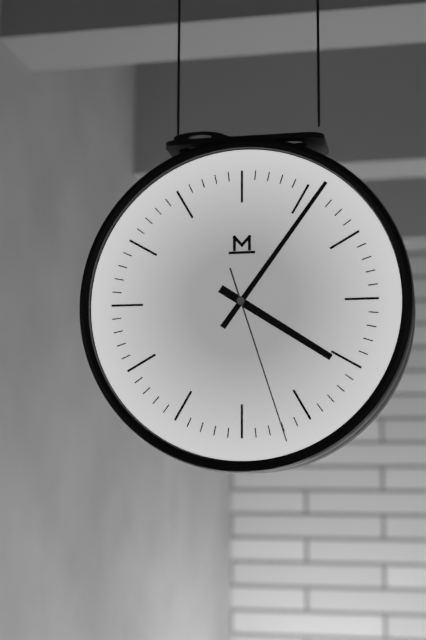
4:06:27
